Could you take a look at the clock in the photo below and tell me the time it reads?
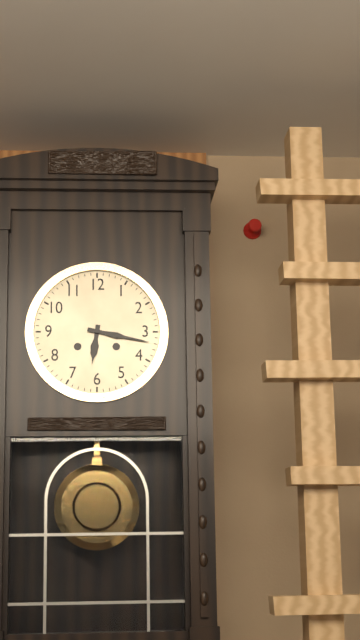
6:17
